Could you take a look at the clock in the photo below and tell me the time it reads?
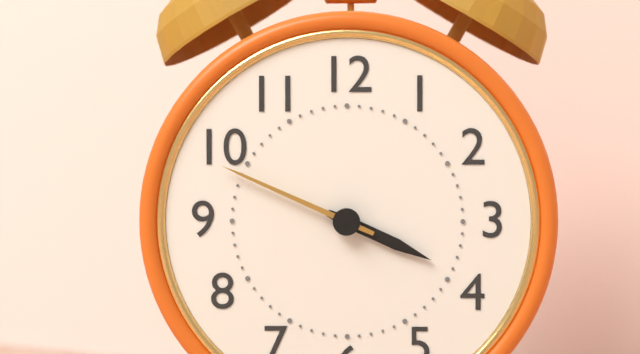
3:49
